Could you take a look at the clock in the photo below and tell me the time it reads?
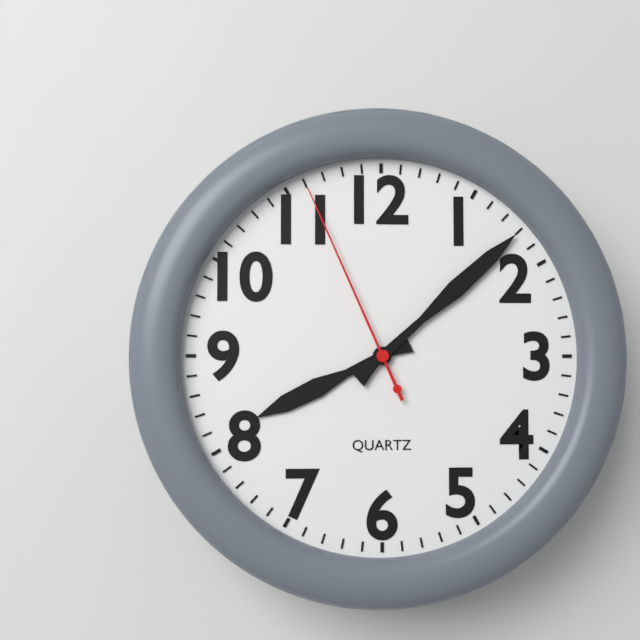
8:08:56
